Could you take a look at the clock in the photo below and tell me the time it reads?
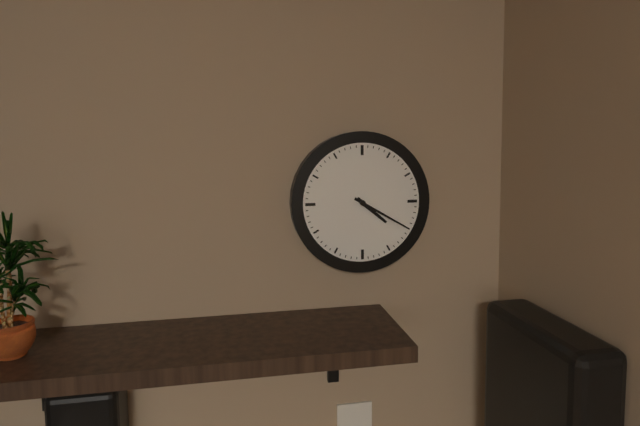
4:20
